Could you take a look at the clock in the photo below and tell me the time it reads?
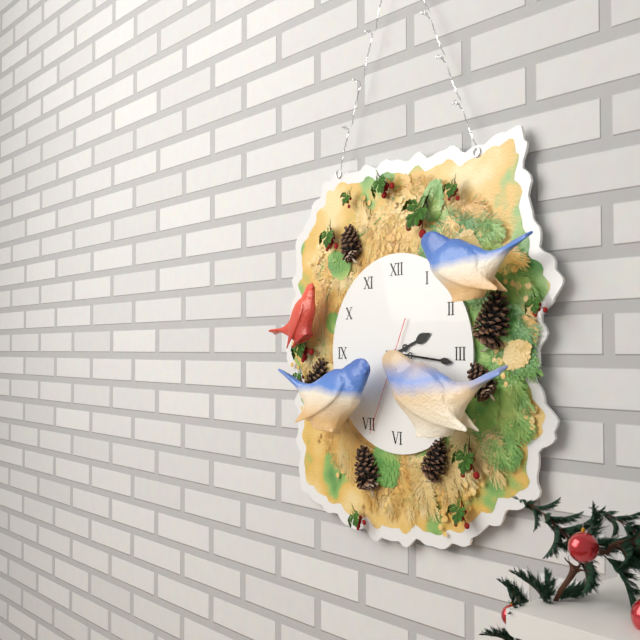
2:16:34
